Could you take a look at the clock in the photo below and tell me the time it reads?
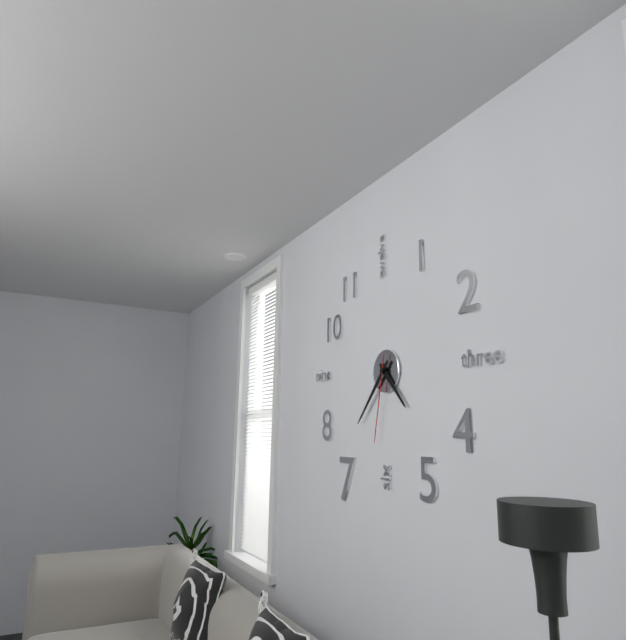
4:37:32
